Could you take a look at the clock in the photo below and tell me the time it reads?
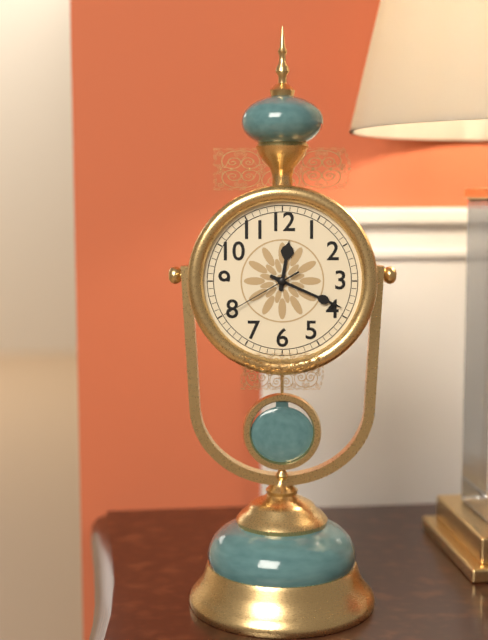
12:19:40
